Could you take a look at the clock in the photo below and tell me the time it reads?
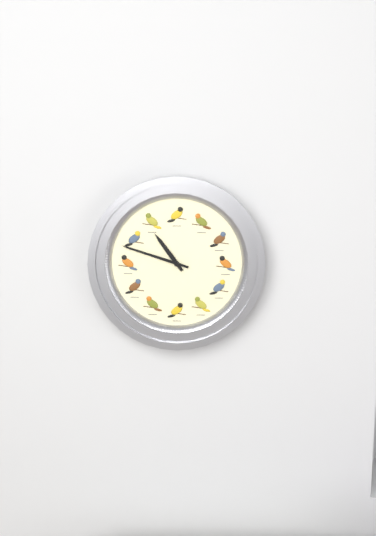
10:48
